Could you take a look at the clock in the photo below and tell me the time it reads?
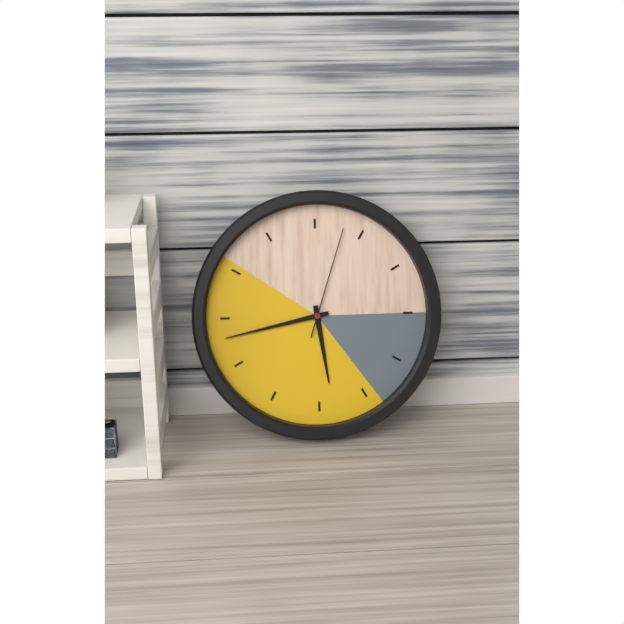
5:43:03
